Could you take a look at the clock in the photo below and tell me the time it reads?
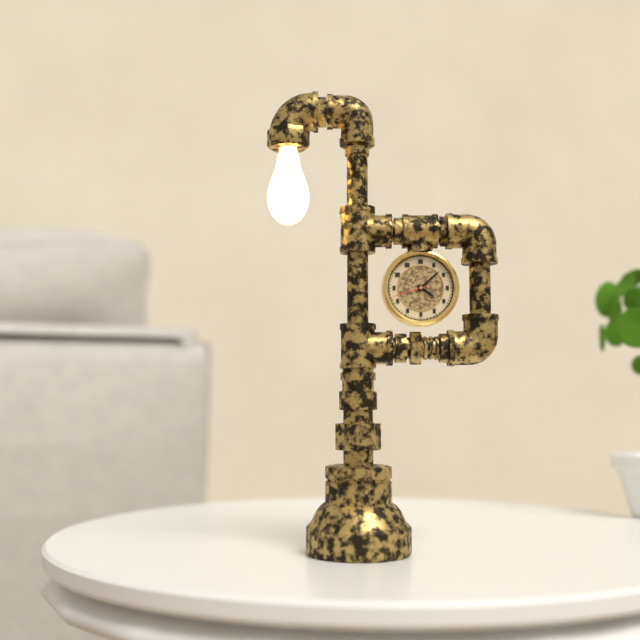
4:08
